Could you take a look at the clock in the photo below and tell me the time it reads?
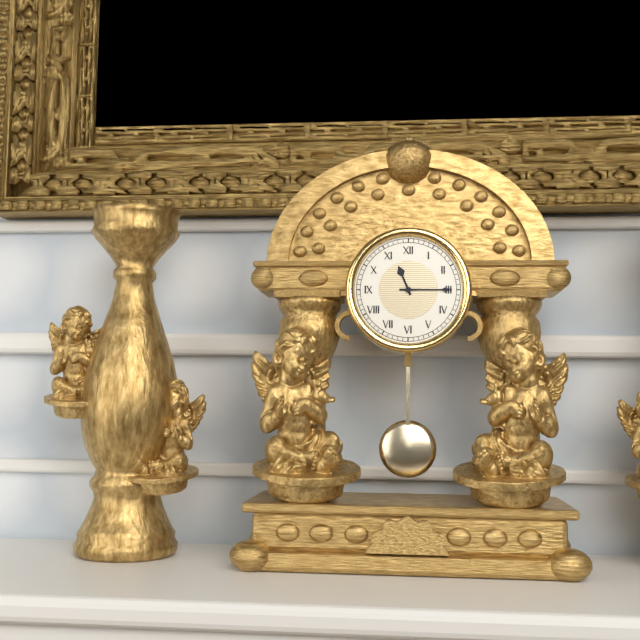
11:15
